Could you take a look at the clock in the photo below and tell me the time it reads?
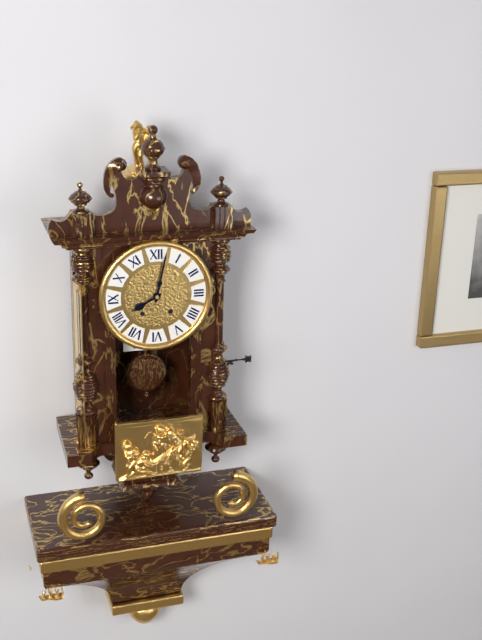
8:02
